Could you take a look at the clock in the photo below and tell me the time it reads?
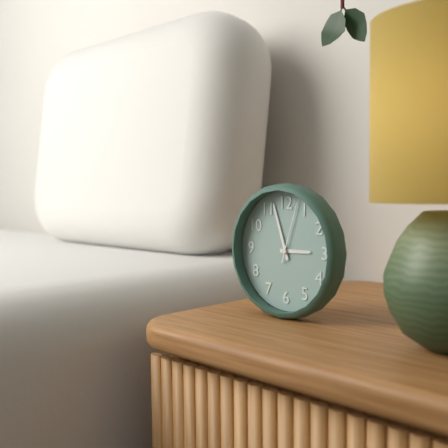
2:57:03
